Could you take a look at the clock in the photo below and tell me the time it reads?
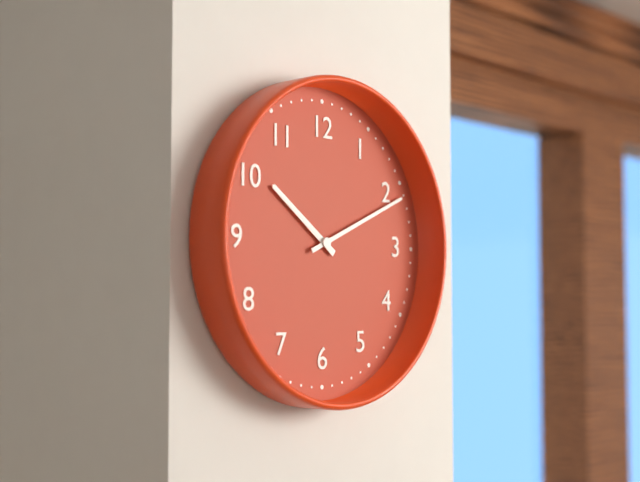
10:11
